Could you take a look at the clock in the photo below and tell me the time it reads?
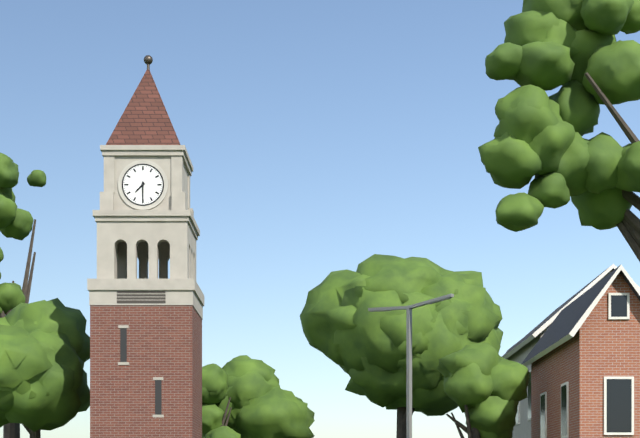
7:30
